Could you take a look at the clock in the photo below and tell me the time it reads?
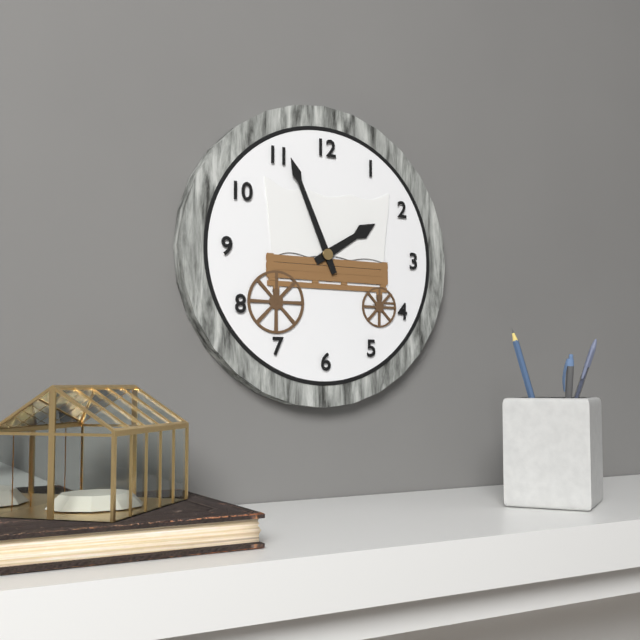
1:56
